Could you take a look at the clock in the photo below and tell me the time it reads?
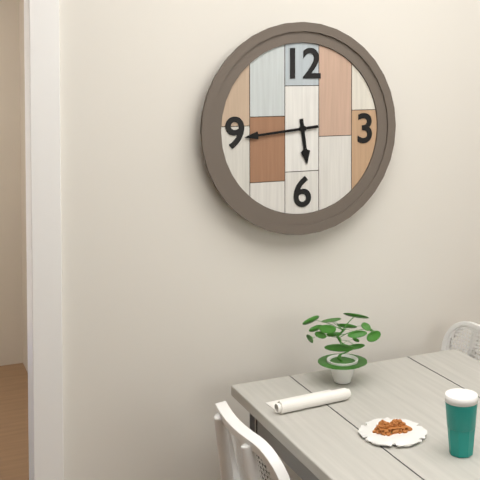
5:44
